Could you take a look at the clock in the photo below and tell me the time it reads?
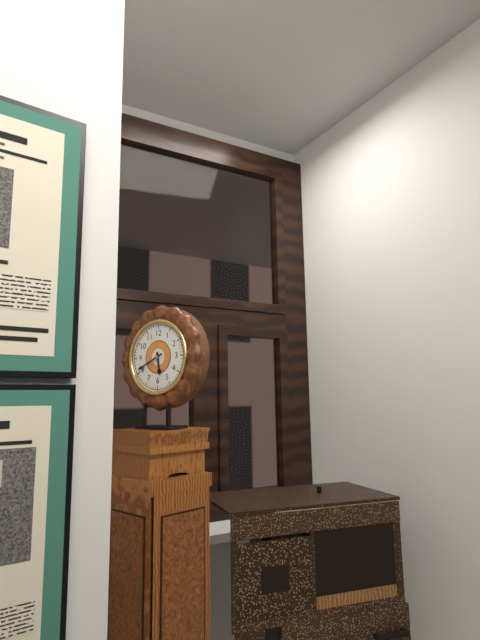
5:41
